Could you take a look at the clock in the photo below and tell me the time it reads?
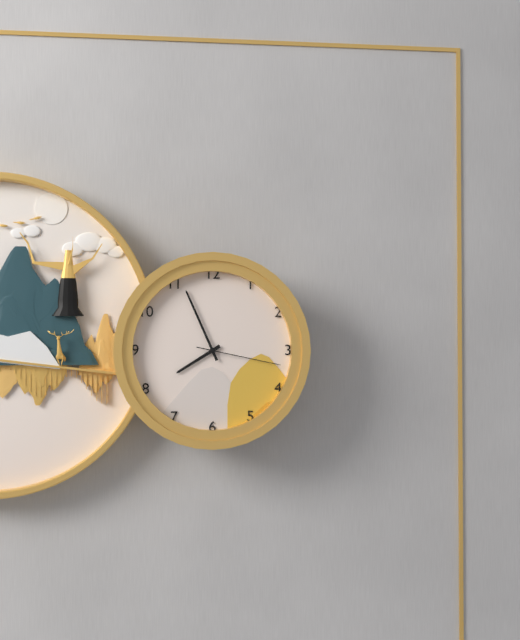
7:56:17
